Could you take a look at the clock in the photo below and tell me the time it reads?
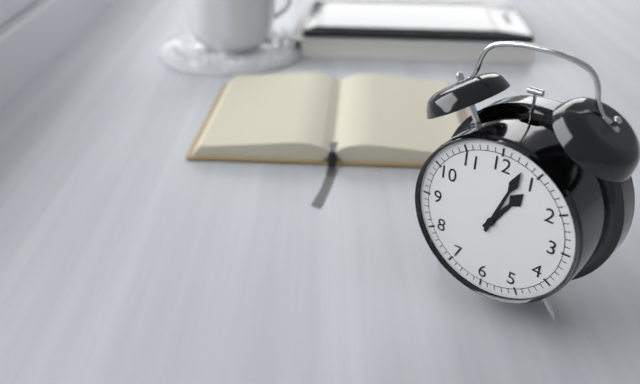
1:03
